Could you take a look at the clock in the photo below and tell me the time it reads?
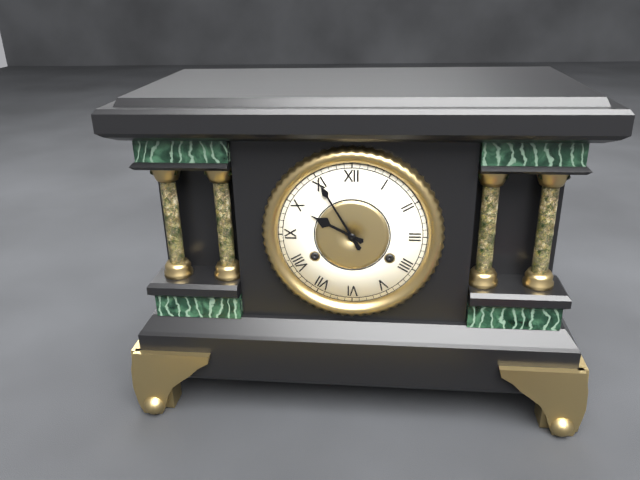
9:55
